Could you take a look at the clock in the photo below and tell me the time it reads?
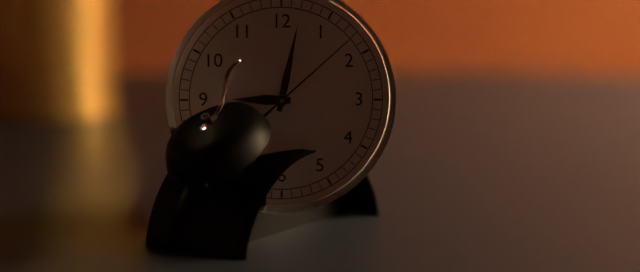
9:02:08
